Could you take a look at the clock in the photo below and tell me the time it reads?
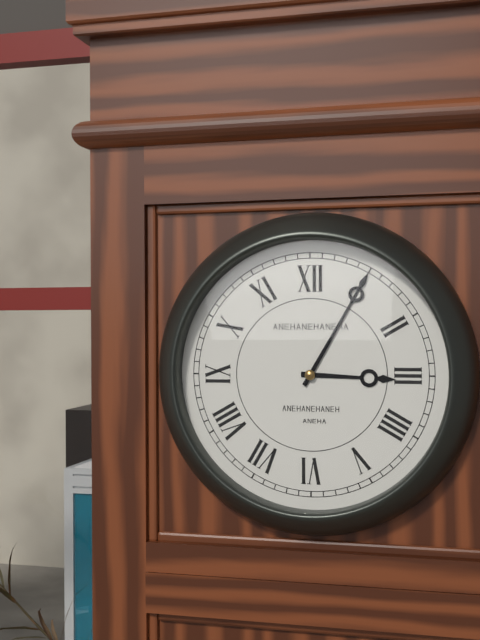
3:05
